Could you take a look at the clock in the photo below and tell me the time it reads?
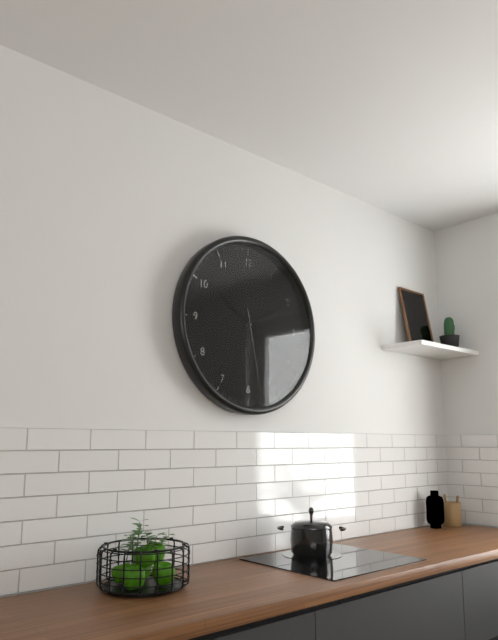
10:10:28
